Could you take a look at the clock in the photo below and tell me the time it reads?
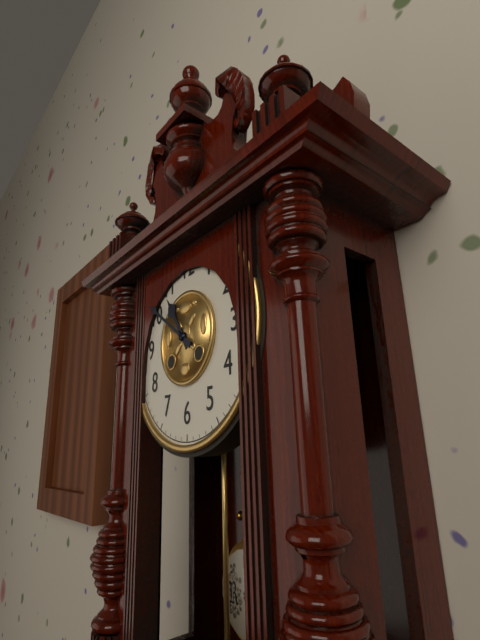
10:51
